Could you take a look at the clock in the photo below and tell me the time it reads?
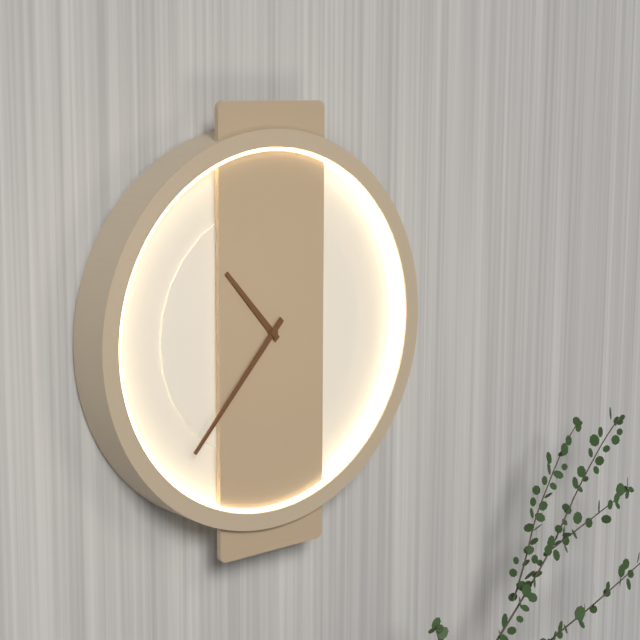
10:37
